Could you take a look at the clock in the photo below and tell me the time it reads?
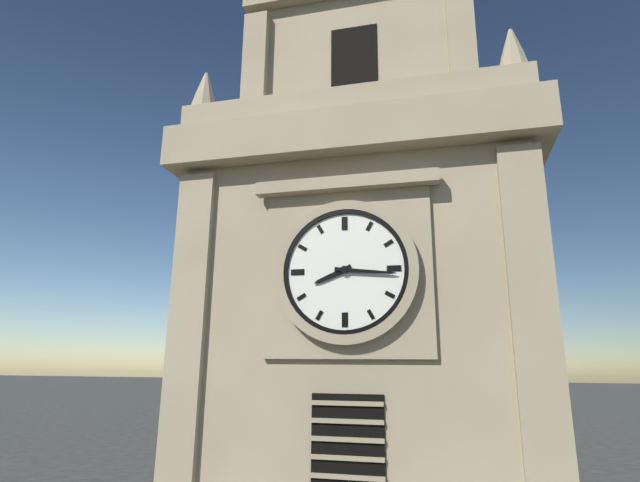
8:16
